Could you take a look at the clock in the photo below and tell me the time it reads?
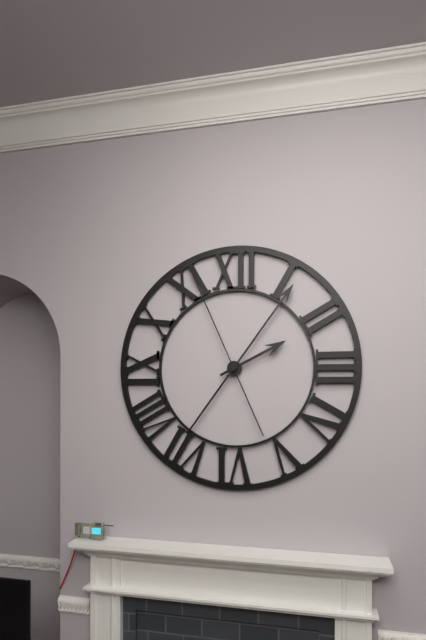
2:06:56
